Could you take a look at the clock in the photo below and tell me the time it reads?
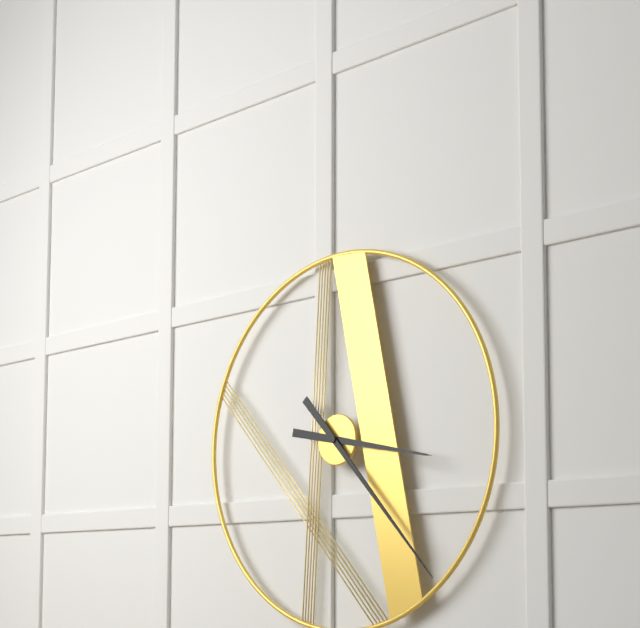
3:23
